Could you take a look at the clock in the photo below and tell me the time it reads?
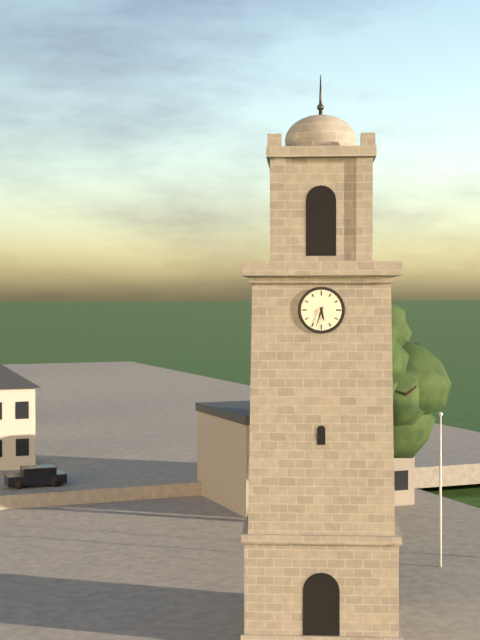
5:33
